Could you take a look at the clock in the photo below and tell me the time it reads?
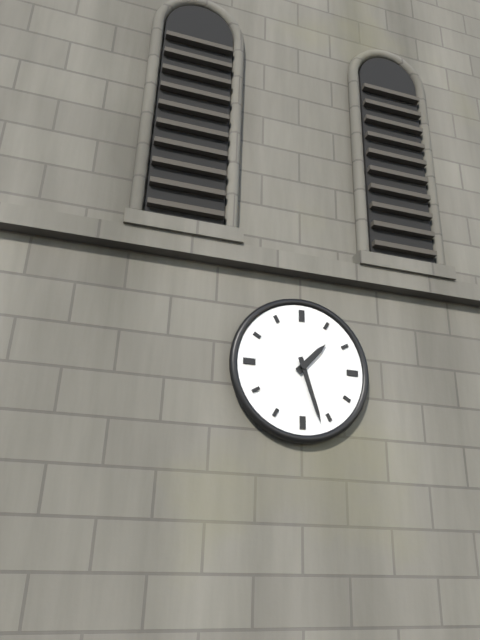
1:27
